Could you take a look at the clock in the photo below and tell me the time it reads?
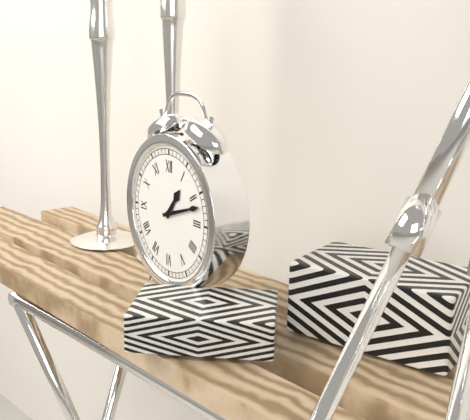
1:12
